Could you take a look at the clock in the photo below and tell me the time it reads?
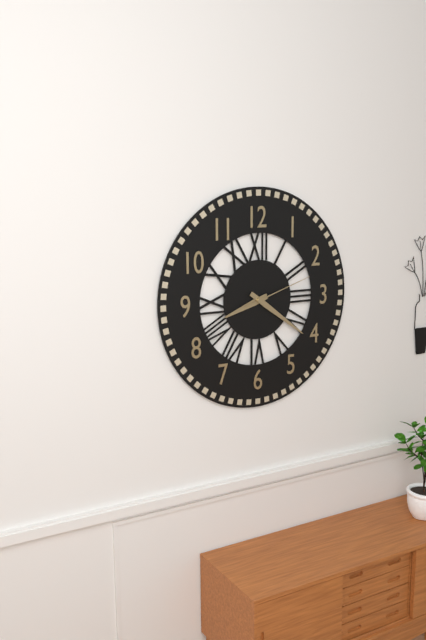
8:21:12
